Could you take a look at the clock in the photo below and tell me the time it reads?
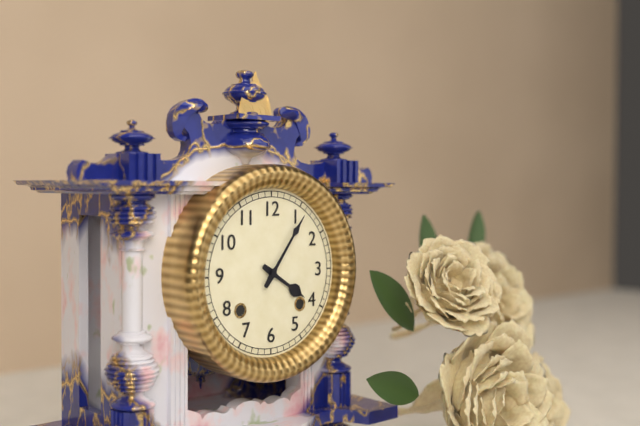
4:06
